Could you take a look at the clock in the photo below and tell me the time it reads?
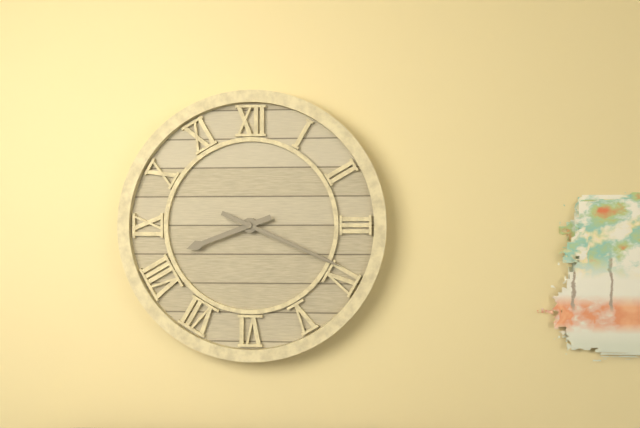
8:19
